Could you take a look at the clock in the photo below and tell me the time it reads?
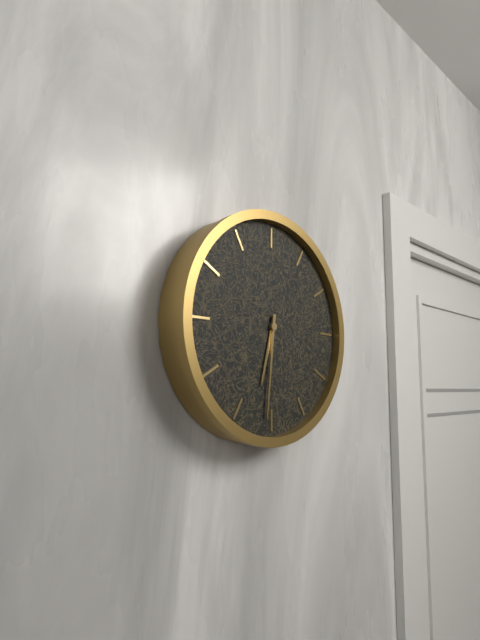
6:31
